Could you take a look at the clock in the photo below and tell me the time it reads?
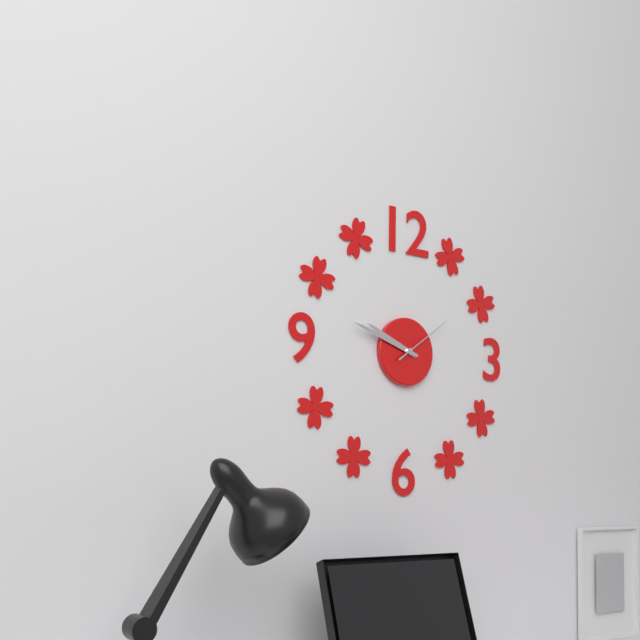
9:48:09
